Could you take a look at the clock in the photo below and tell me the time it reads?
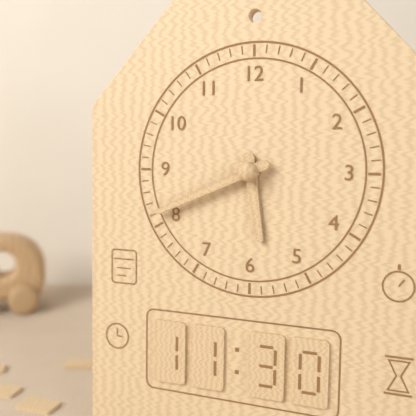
5:41
